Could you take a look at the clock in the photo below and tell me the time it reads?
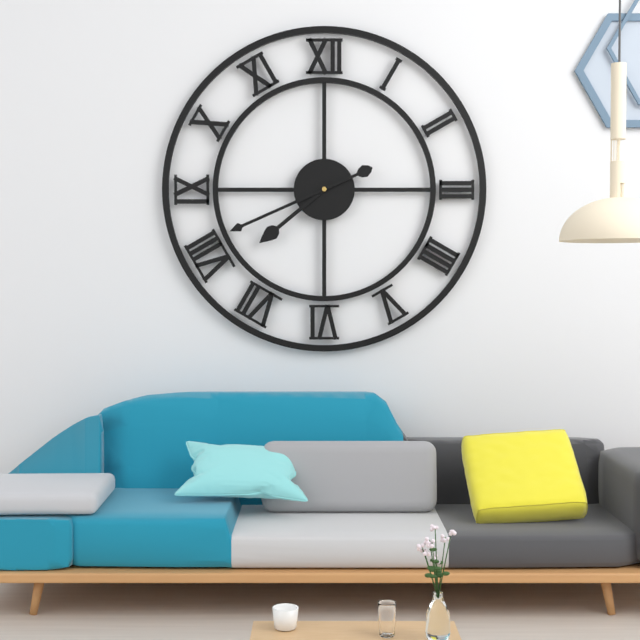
7:41
